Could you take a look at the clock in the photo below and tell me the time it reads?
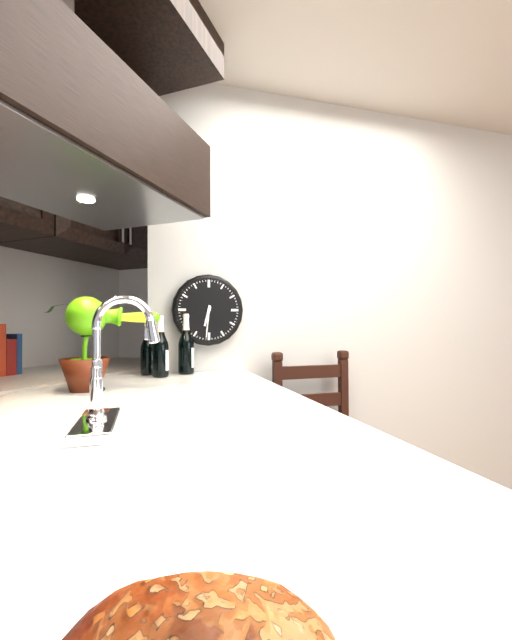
6:31
